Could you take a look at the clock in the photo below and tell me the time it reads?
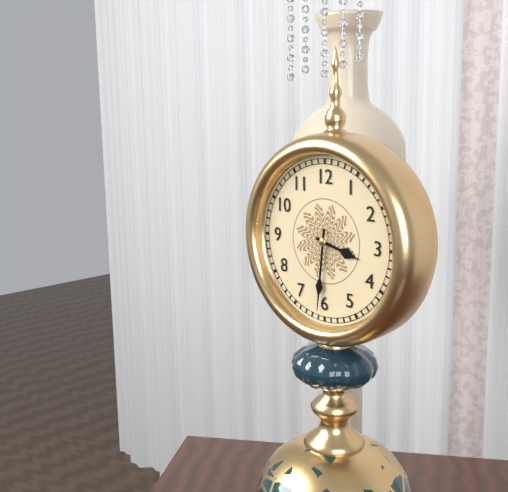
3:31
